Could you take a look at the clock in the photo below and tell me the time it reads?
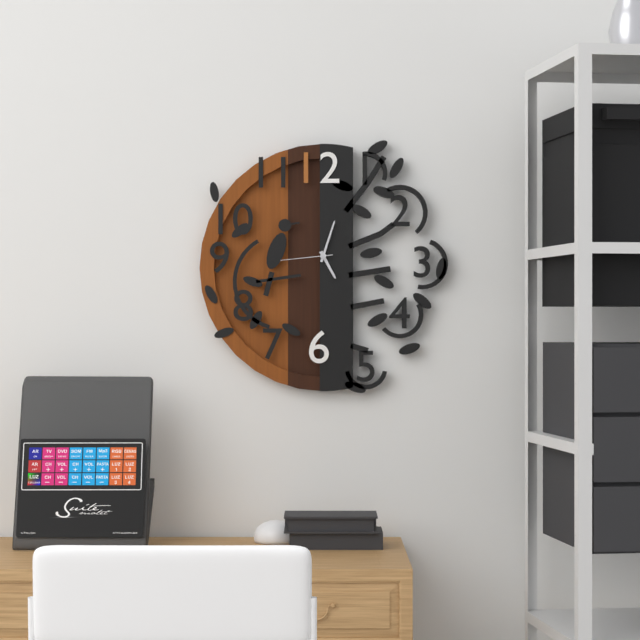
5:03:44
